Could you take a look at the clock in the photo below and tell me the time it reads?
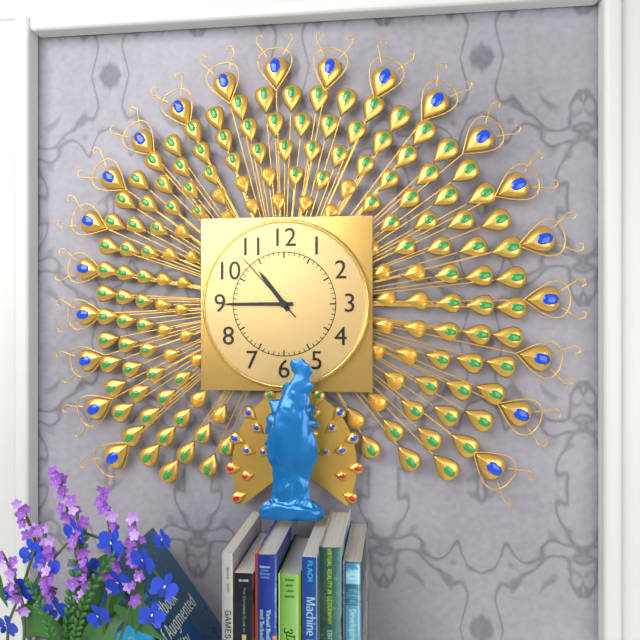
10:45:53
